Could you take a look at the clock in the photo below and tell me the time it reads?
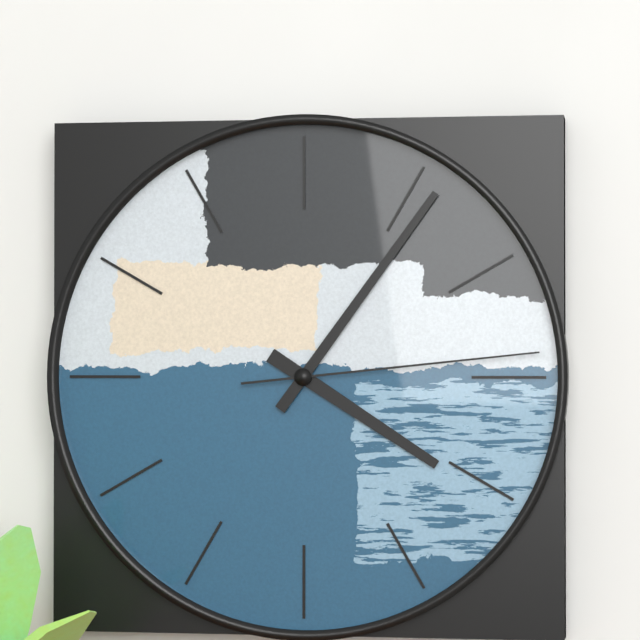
4:06:14
